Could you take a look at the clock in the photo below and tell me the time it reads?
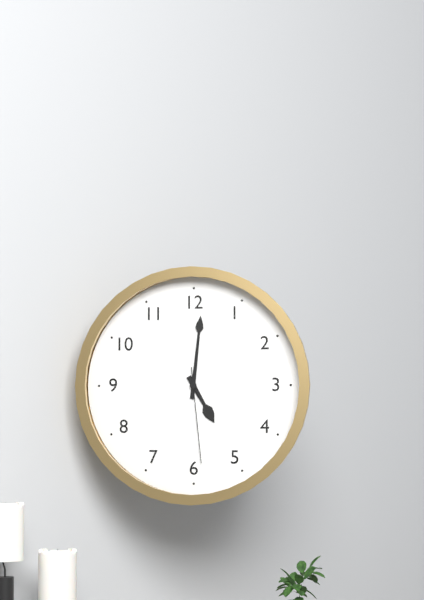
5:01:29
